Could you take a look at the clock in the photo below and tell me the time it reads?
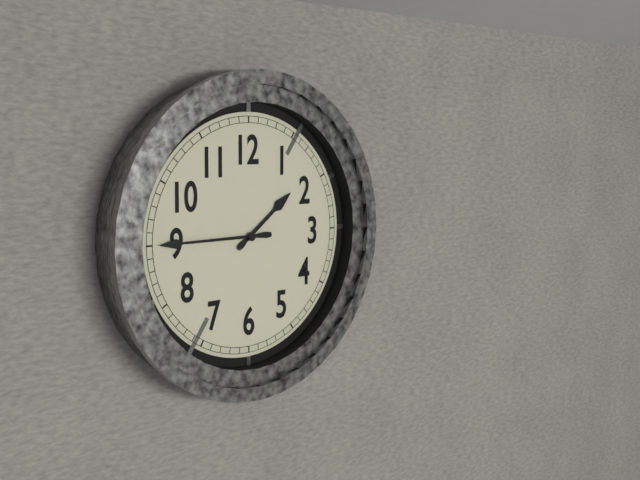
1:45
